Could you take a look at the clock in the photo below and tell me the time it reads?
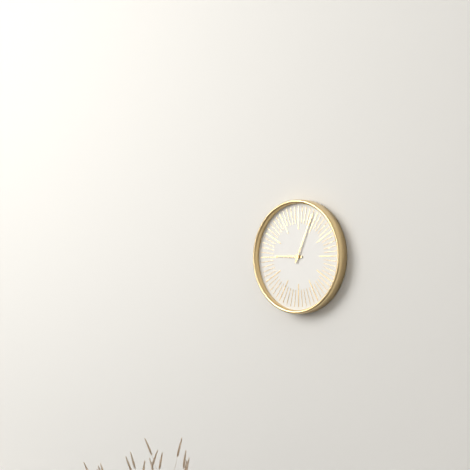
9:04
